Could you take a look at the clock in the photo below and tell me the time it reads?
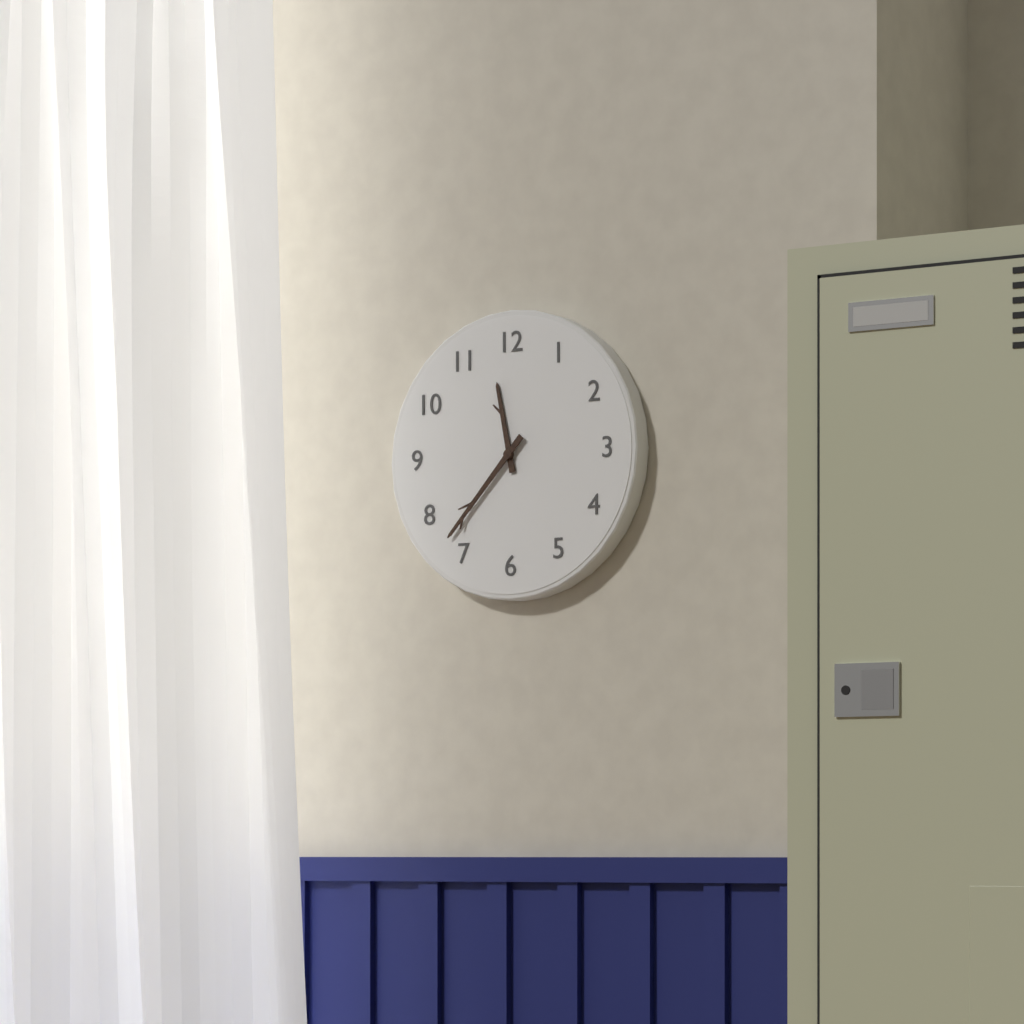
11:37
